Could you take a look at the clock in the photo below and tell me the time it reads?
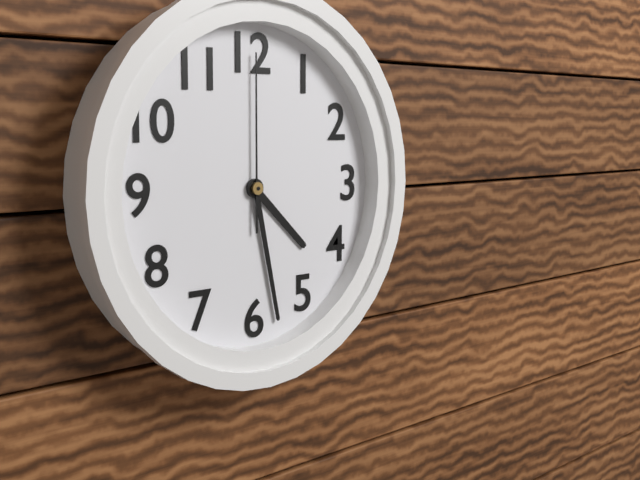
4:28:00
